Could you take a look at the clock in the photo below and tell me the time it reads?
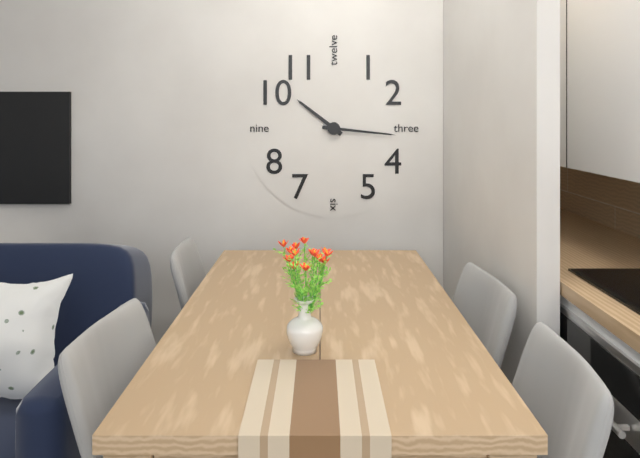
10:16
